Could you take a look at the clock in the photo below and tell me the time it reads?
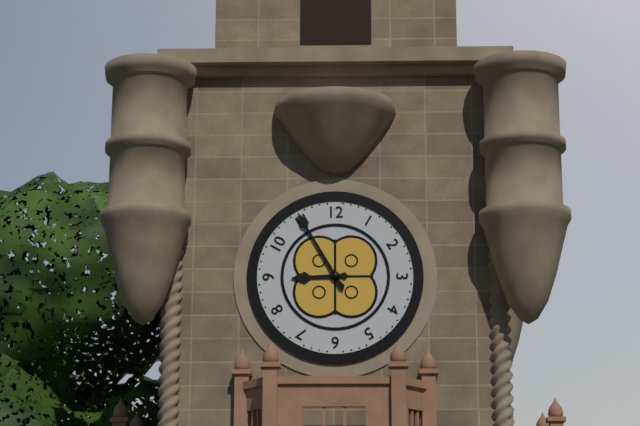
8:55
